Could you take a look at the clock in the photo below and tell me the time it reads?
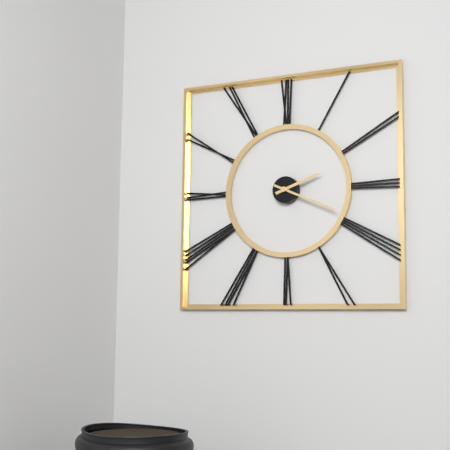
2:19
